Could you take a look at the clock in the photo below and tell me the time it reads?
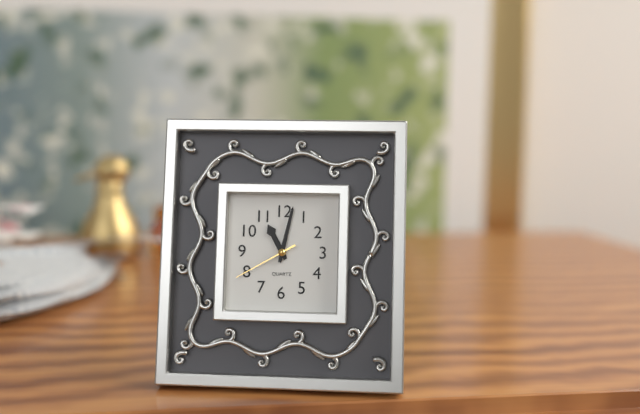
11:02:40
